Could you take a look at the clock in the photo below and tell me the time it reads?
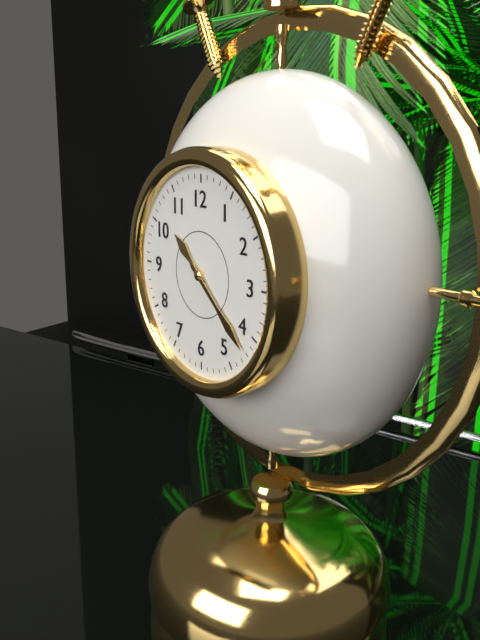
10:22
